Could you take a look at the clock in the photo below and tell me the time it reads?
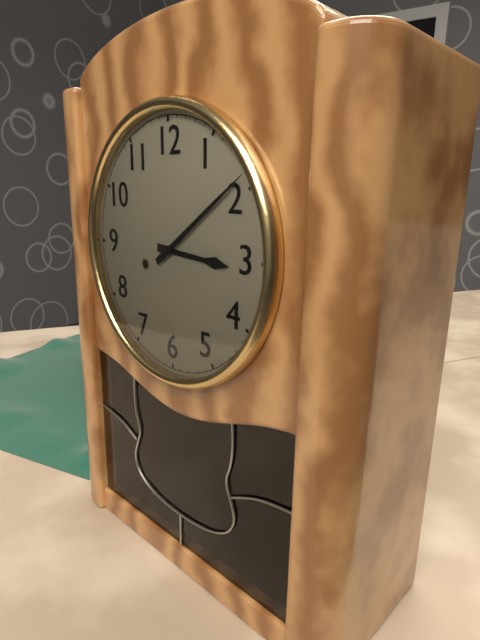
3:09
